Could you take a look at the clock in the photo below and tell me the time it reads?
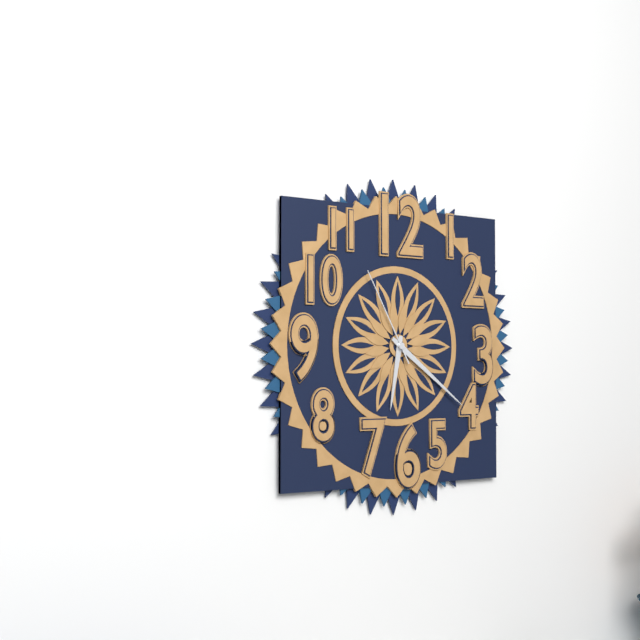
6:21:55
